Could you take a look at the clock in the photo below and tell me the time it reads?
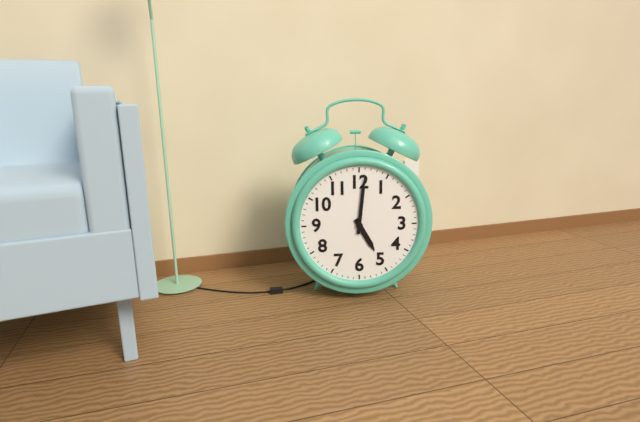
5:01
